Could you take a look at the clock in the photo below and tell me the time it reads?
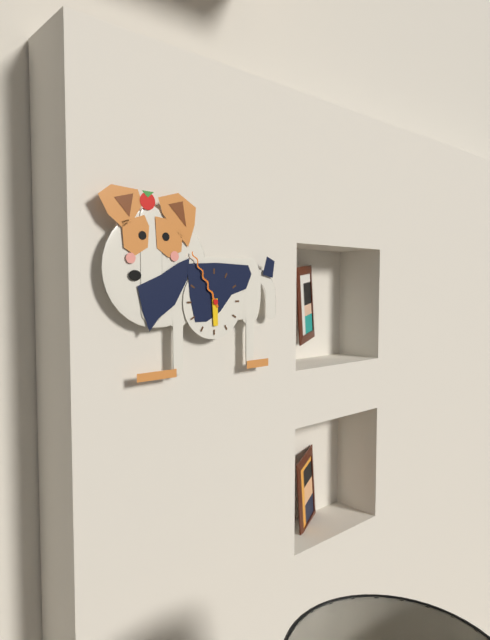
5:55
